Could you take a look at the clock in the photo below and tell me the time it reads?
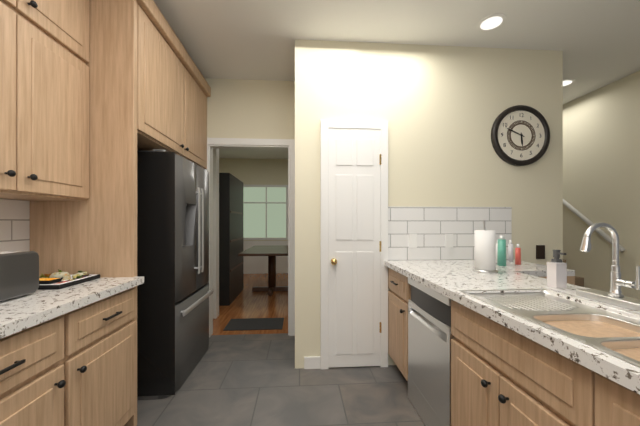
5:49
